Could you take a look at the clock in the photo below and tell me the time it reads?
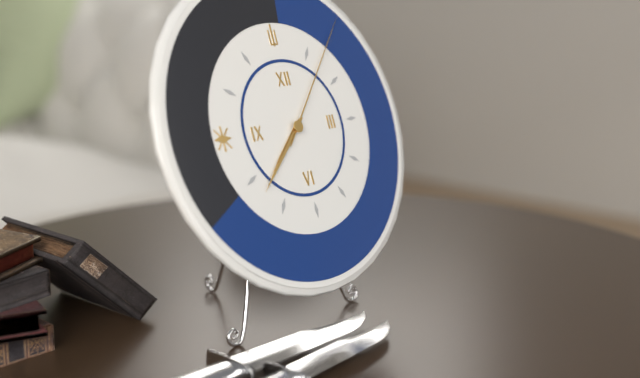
7:38:07
